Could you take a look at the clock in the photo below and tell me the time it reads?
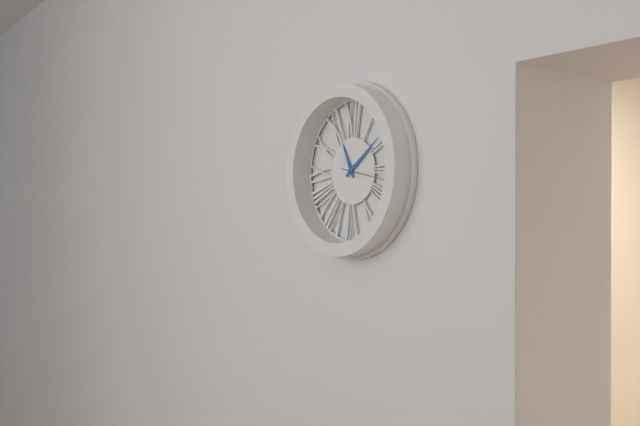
11:09:17
